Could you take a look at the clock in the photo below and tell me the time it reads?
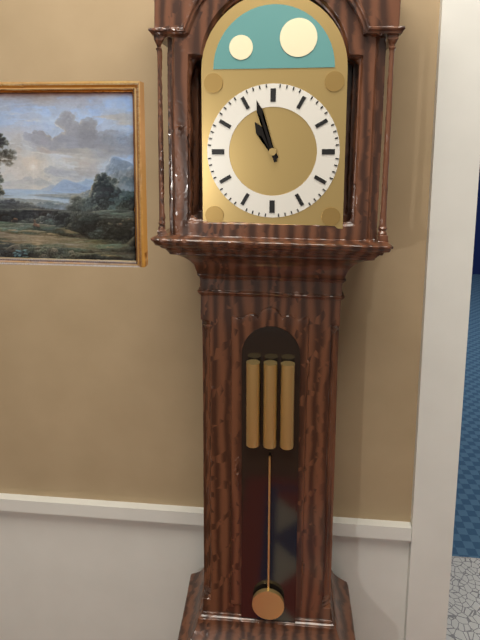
10:57
